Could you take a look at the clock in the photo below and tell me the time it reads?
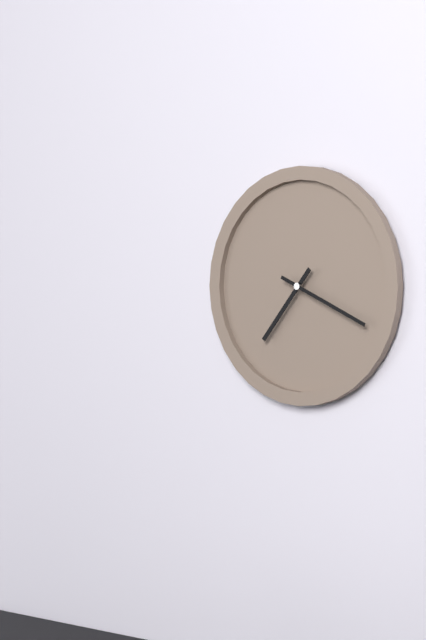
7:19
